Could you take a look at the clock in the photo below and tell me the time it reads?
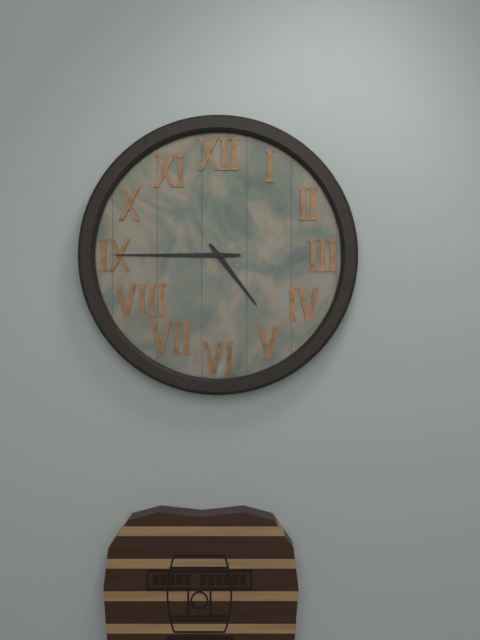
4:45
